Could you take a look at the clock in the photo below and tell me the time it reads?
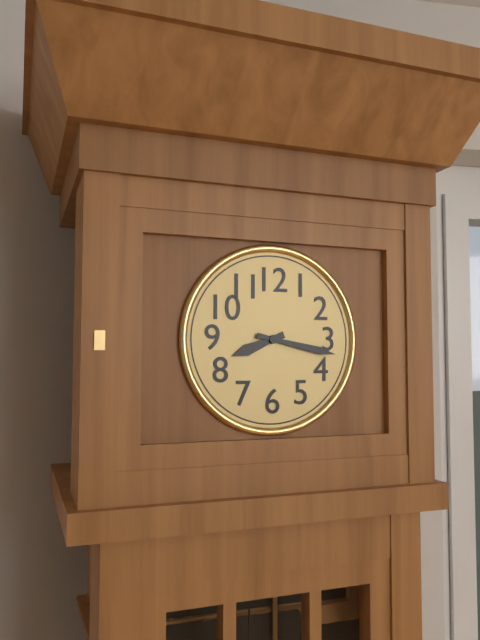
8:17
